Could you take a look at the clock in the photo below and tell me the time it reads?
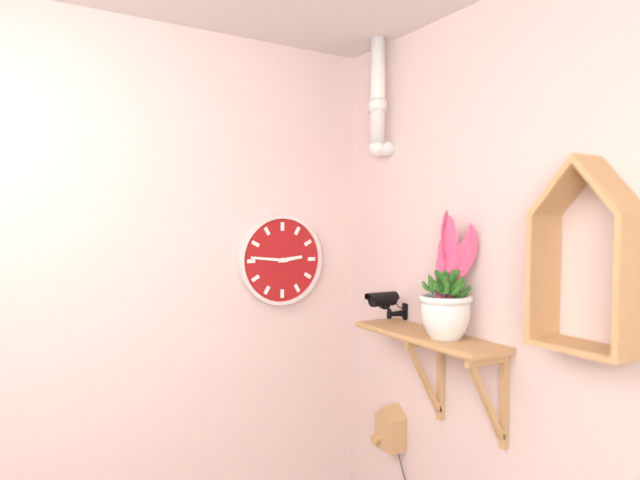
2:46
